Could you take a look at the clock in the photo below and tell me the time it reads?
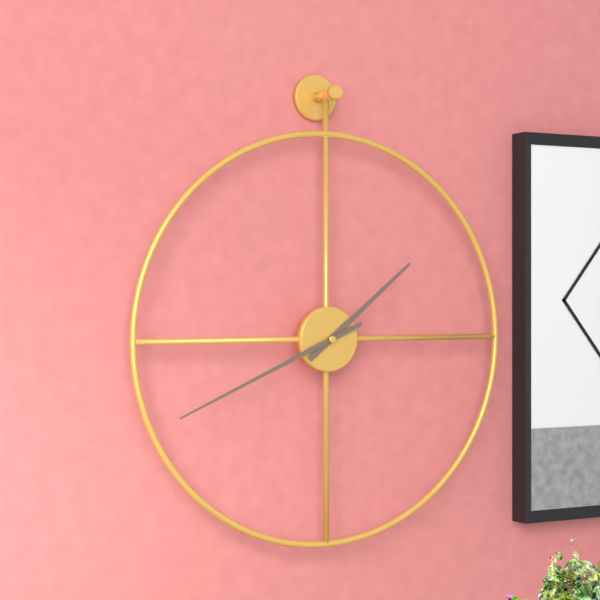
1:41
